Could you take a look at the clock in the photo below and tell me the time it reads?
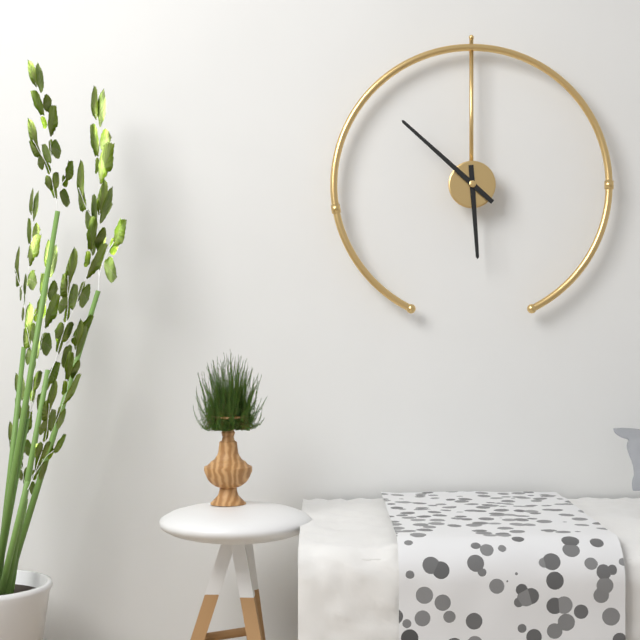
5:52
